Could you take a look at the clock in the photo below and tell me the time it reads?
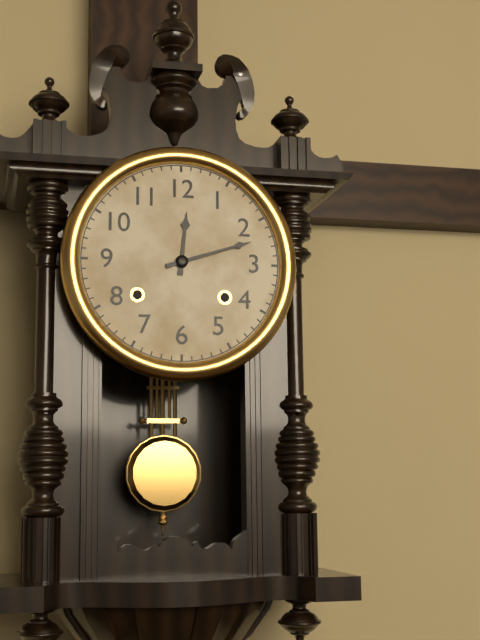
12:12
